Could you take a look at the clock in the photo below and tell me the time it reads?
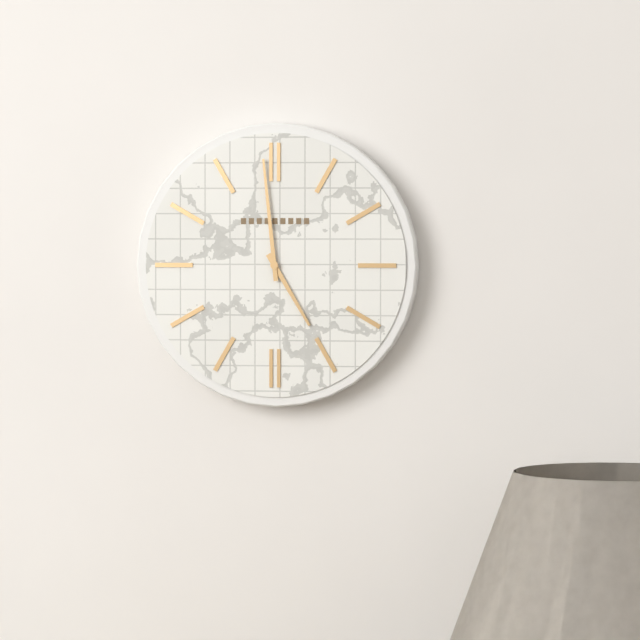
4:59
